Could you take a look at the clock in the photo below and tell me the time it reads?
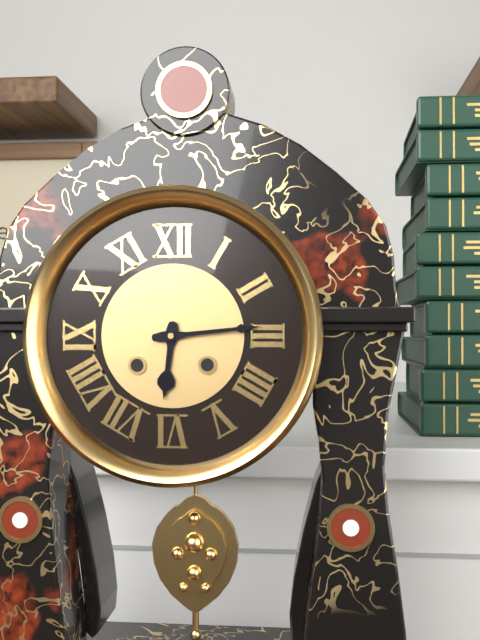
6:14
